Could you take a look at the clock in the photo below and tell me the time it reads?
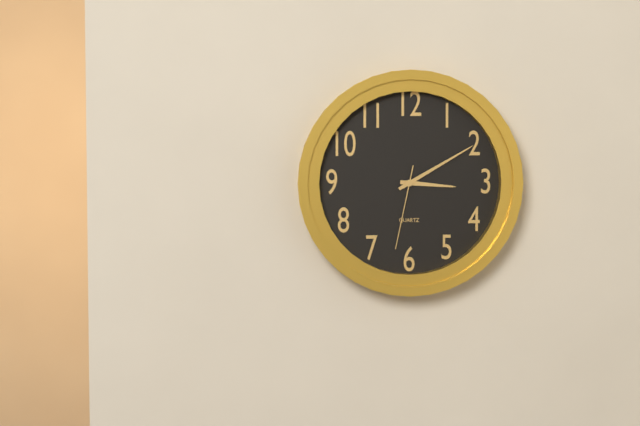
3:10:32
